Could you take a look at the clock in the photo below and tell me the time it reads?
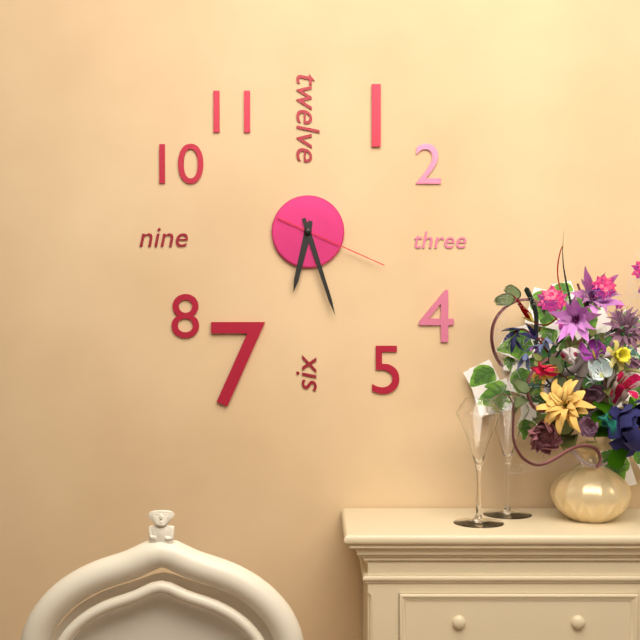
6:27:19
